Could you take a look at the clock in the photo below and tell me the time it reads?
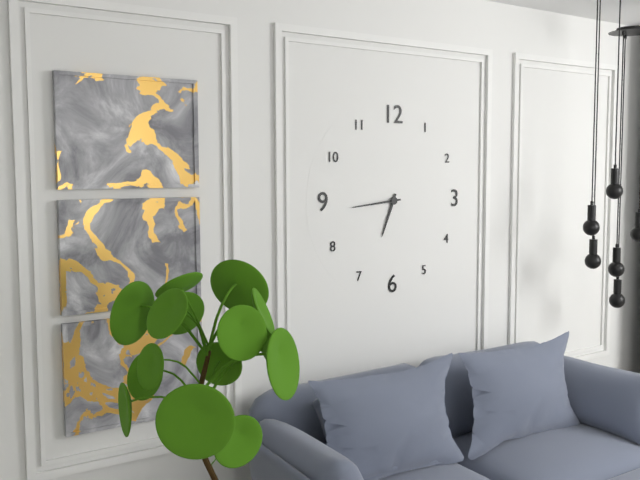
6:44
